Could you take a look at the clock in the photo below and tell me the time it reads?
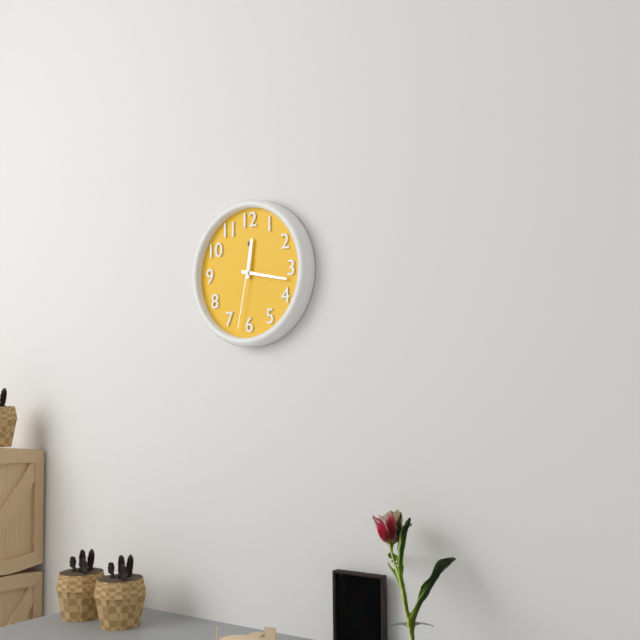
12:17:32
